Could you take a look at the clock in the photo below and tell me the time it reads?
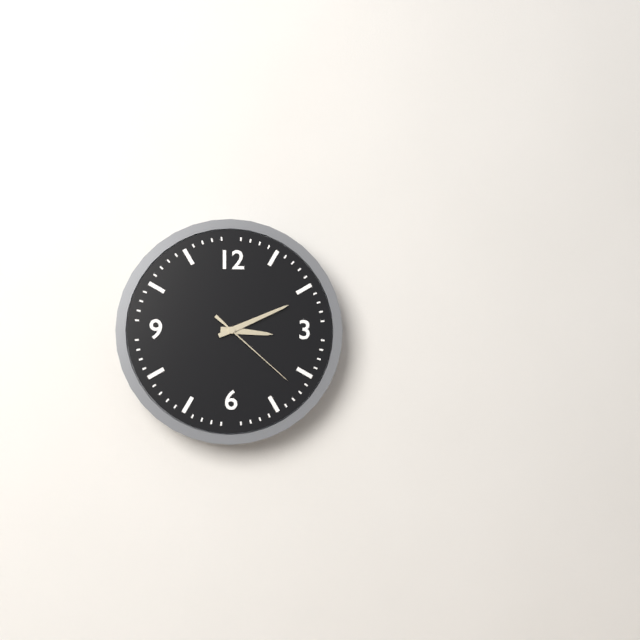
3:11:22
